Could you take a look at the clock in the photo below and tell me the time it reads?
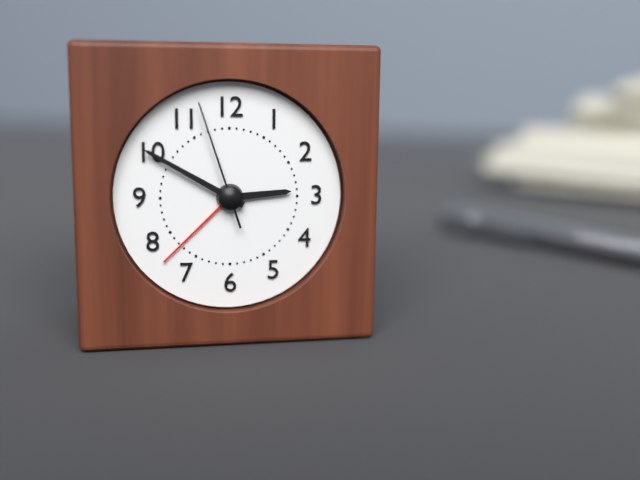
2:50:57
